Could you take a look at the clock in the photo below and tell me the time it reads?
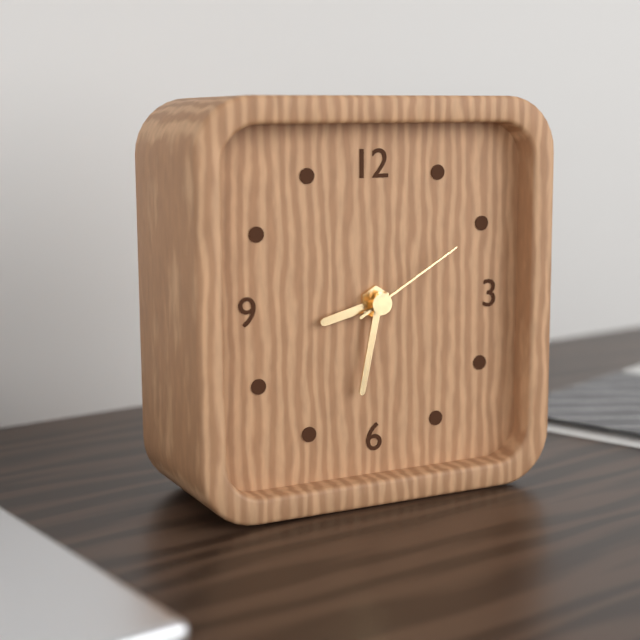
8:32:10
